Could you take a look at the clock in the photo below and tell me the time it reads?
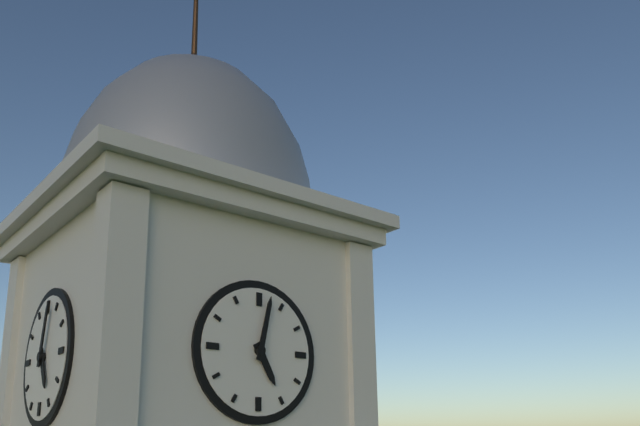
5:02
